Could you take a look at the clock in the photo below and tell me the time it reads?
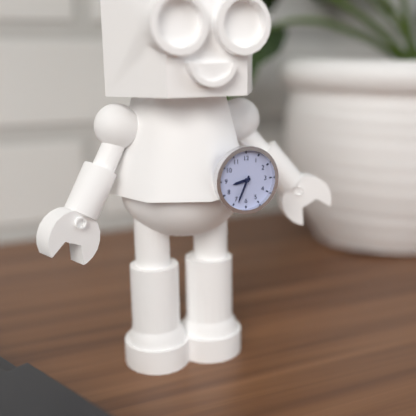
8:34
